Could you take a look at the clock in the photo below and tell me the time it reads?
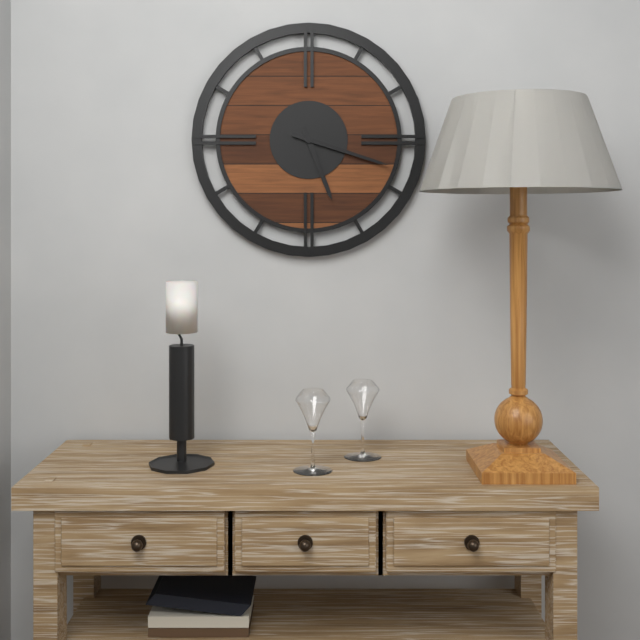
5:18
